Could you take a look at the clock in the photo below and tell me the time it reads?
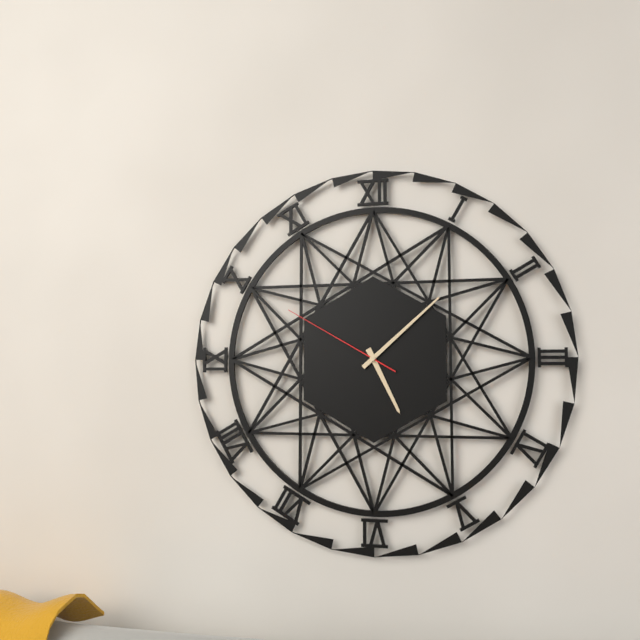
5:08:50
